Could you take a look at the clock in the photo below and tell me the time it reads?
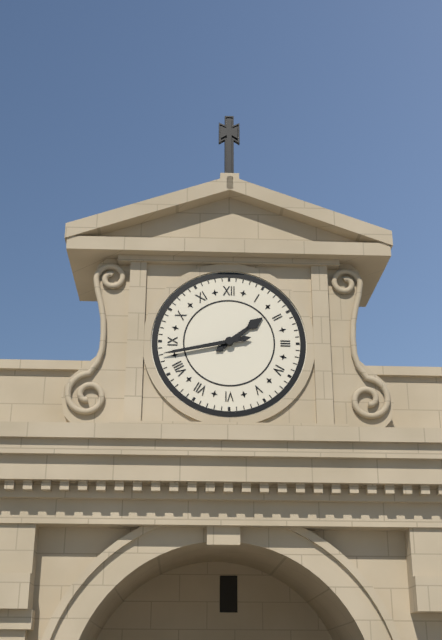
1:43
